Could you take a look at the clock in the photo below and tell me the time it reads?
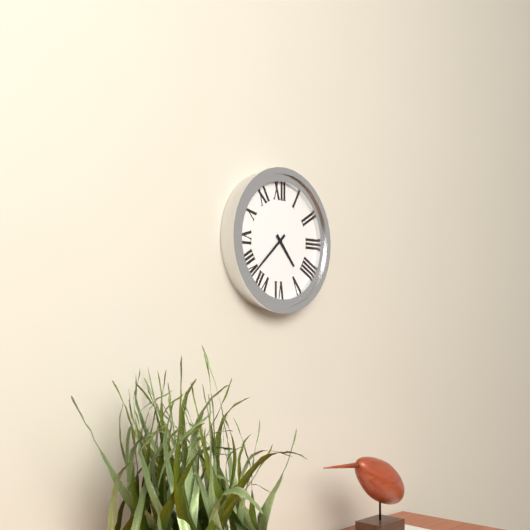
4:38
